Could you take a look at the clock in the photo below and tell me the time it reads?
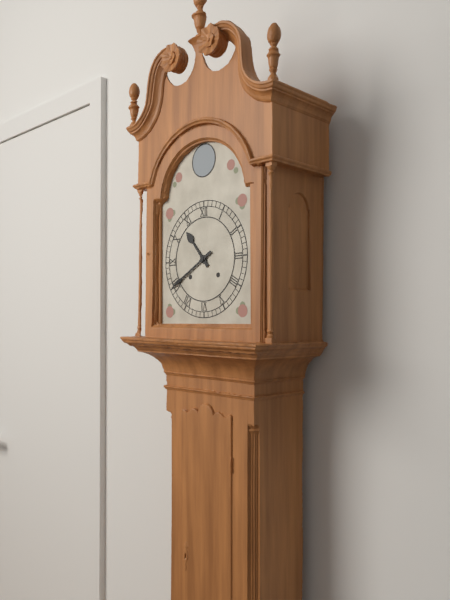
10:40
